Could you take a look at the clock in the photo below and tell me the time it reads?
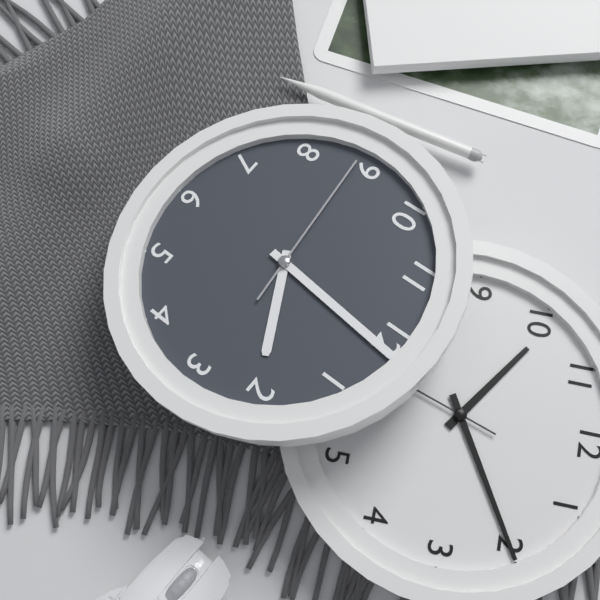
2:01:44
